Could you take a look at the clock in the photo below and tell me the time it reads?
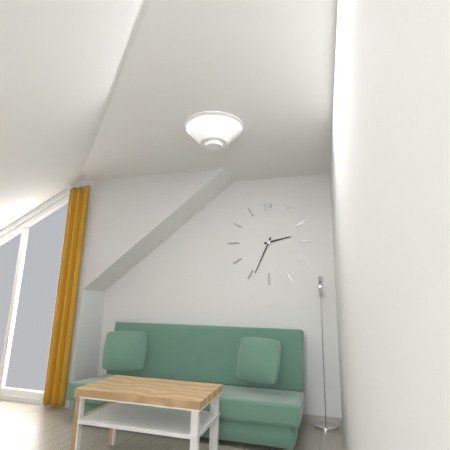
2:34
